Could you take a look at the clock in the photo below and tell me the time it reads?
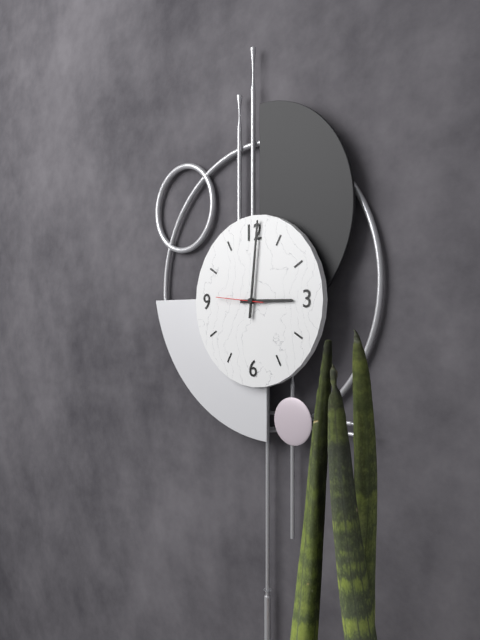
3:01
